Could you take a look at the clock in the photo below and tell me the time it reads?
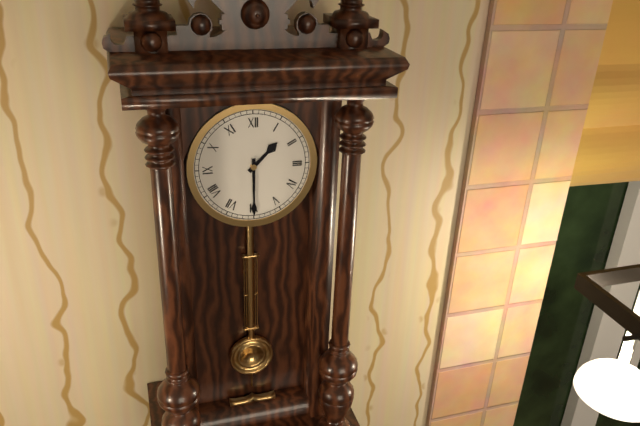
1:30
